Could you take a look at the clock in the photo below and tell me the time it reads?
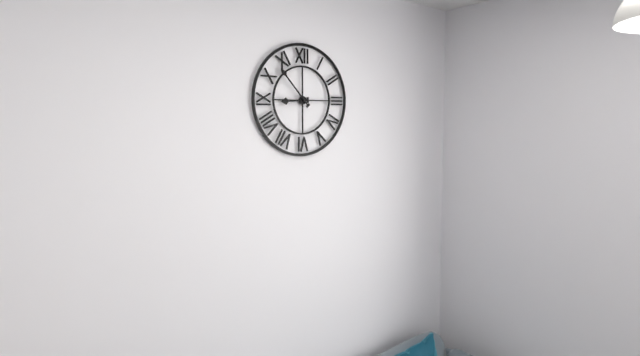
8:53
